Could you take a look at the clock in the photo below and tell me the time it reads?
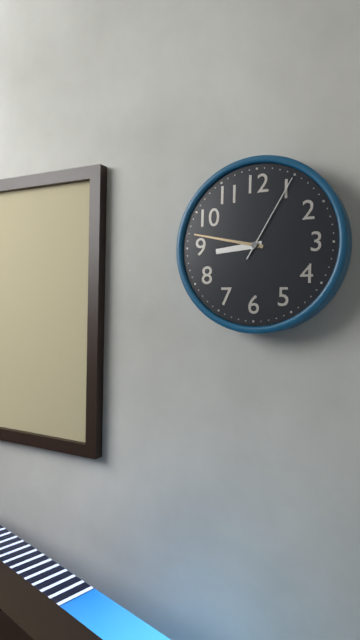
8:47:05
